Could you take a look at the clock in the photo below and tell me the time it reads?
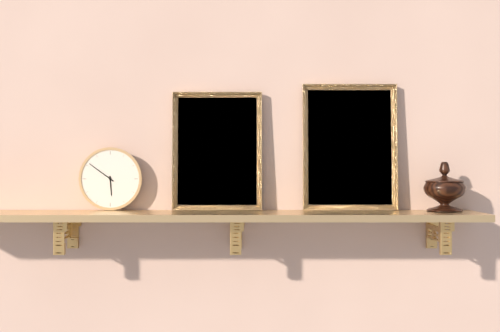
5:51
